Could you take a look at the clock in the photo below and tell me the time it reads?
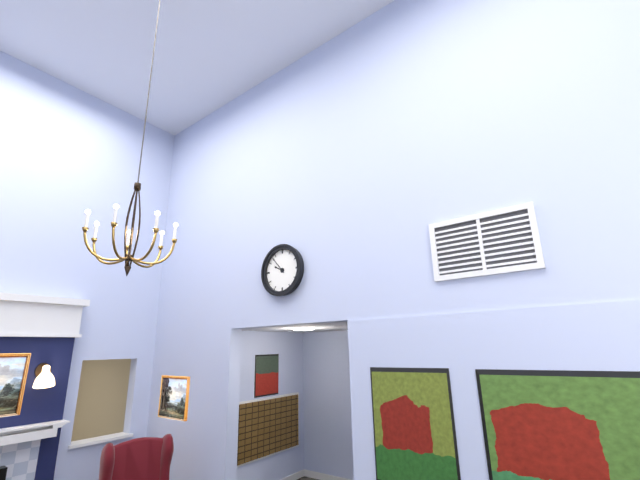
9:53
